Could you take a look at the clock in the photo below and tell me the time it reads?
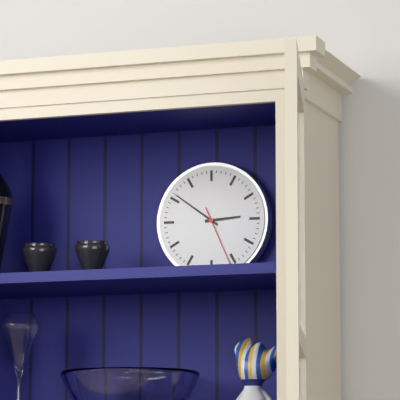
2:51:26
